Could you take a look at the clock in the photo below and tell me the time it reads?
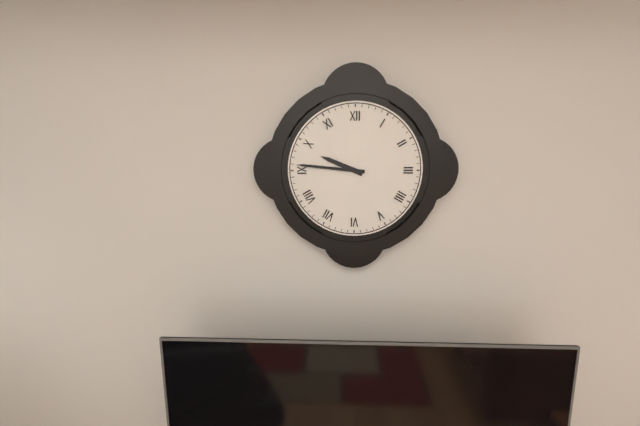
9:46
